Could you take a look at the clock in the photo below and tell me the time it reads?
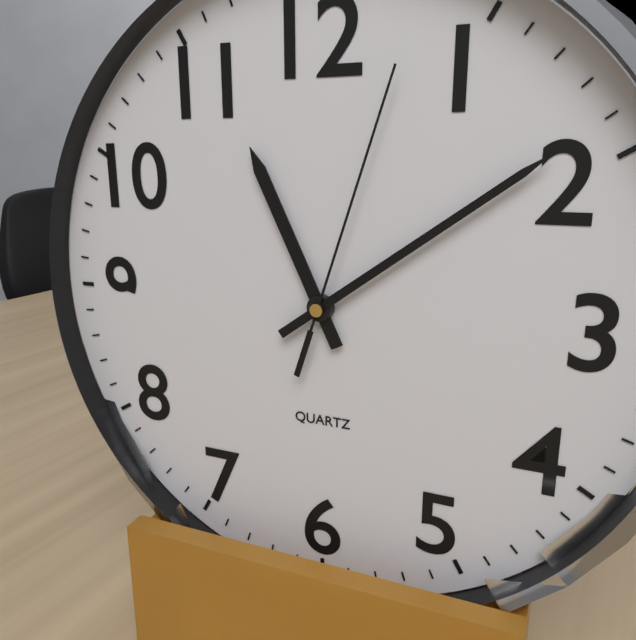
11:09:03
